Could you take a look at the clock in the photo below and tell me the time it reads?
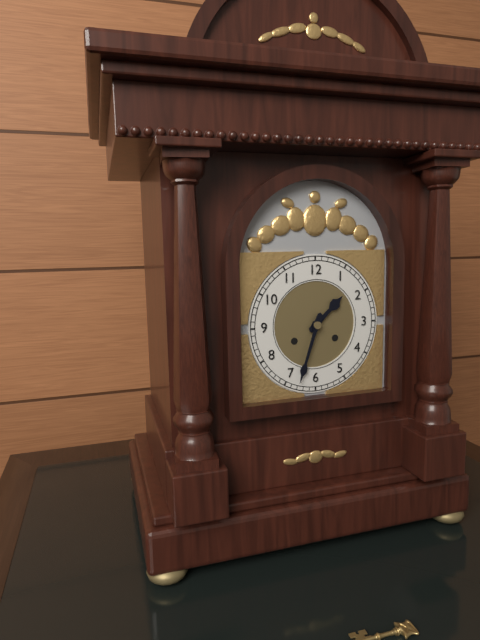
1:33
